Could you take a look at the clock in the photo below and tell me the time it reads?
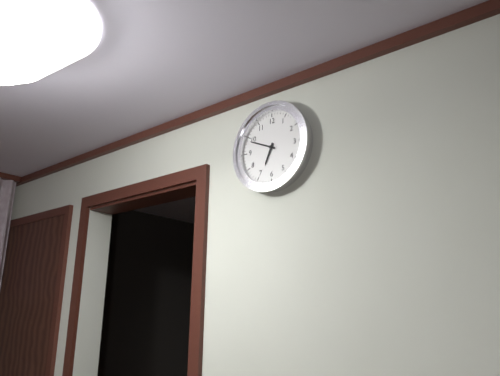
6:49
